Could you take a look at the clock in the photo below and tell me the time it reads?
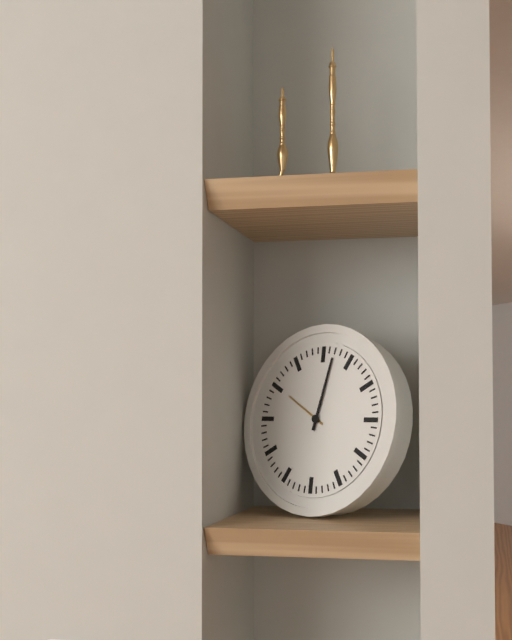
10:02
